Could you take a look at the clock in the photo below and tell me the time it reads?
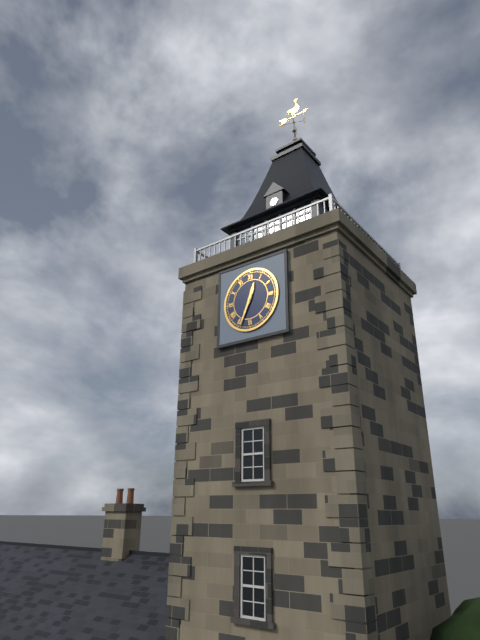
12:34
